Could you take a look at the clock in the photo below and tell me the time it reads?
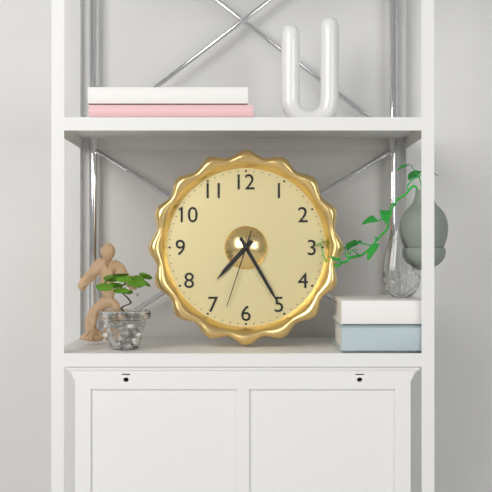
7:25:33
